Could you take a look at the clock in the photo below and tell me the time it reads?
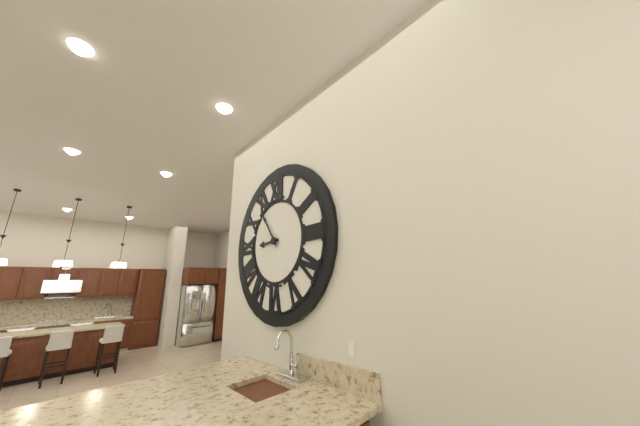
8:54
